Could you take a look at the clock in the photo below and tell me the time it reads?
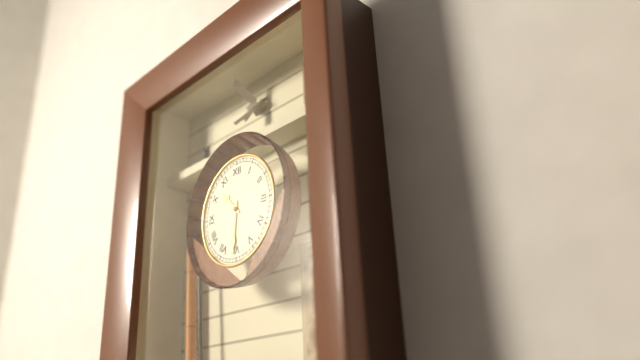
10:31
